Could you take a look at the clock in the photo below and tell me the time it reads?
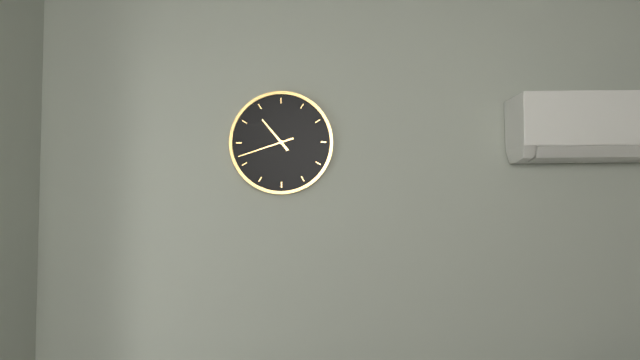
10:42
